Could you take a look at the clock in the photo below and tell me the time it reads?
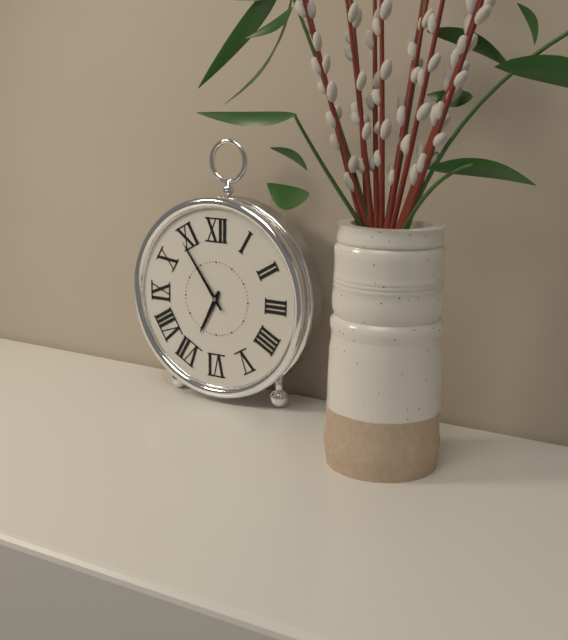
6:54
